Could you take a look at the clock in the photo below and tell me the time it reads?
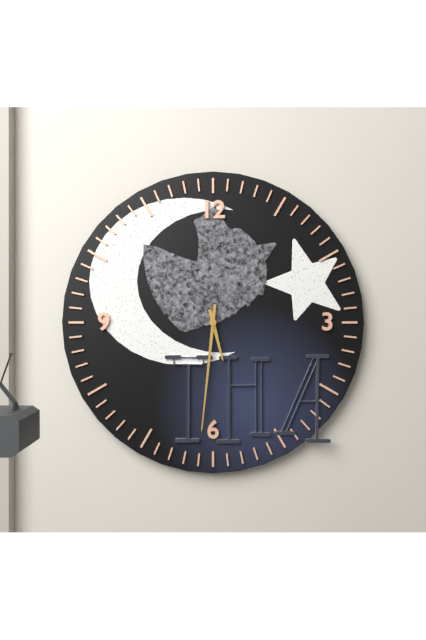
5:31
